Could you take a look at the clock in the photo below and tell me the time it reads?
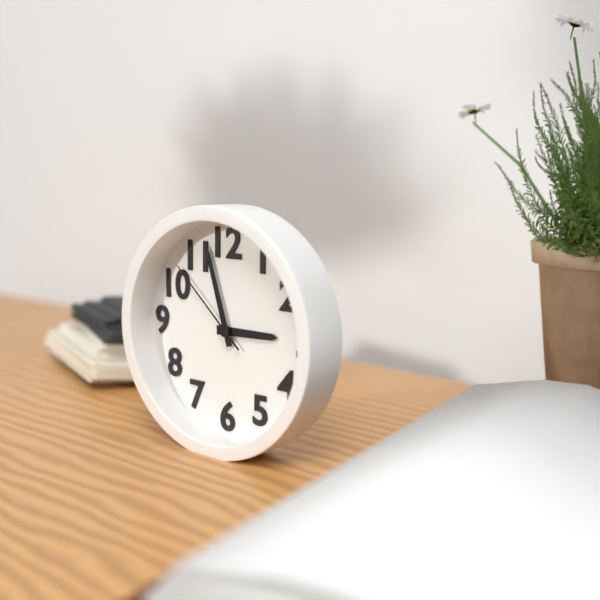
2:57:52
